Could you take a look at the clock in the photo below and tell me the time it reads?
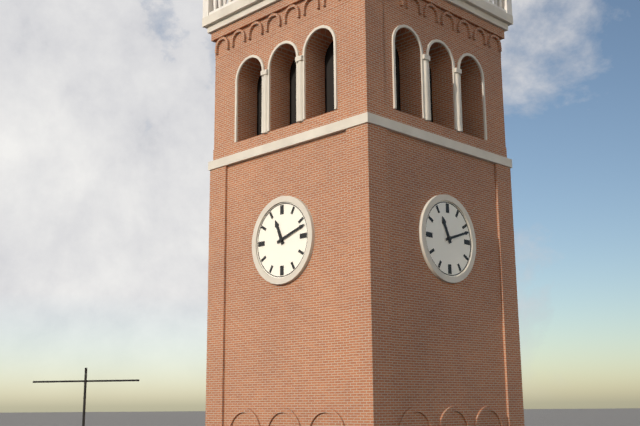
11:12
